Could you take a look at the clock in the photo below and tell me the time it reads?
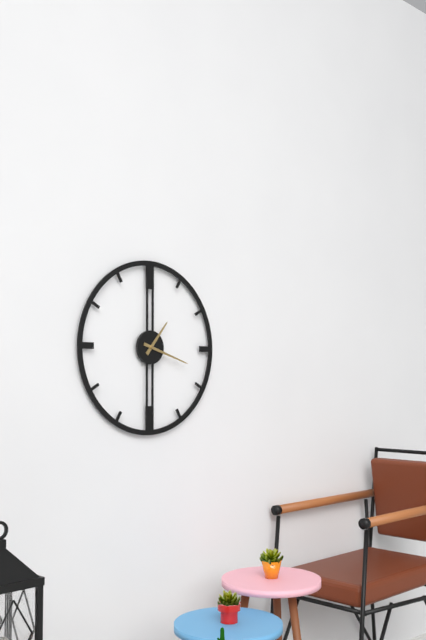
1:18
